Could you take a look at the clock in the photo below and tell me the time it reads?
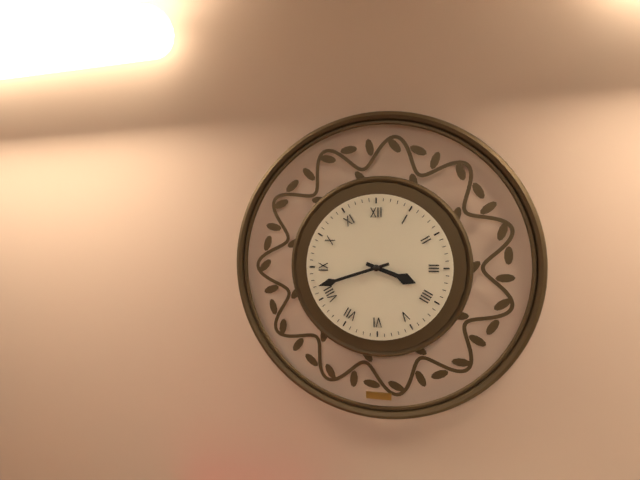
3:42
